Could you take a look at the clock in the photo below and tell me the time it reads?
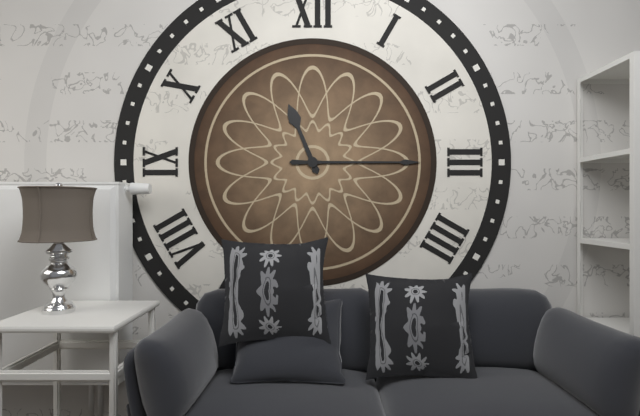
11:15
